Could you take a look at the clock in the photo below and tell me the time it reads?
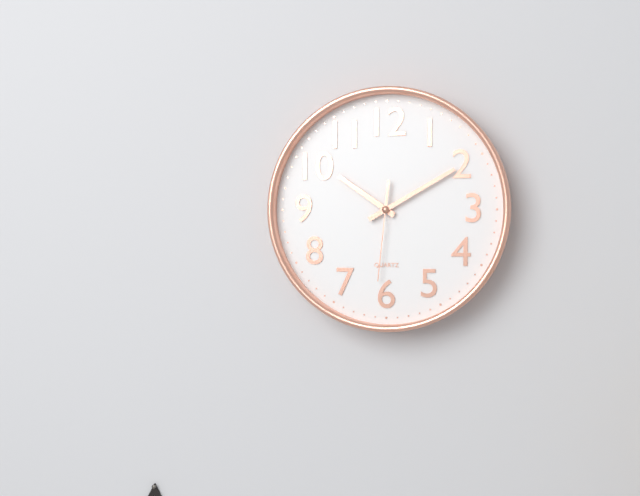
10:10:31
